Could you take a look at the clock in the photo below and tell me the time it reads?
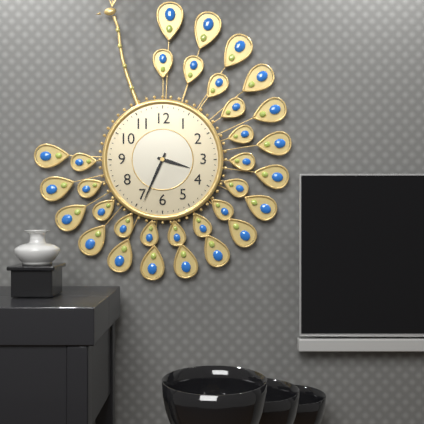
3:34
